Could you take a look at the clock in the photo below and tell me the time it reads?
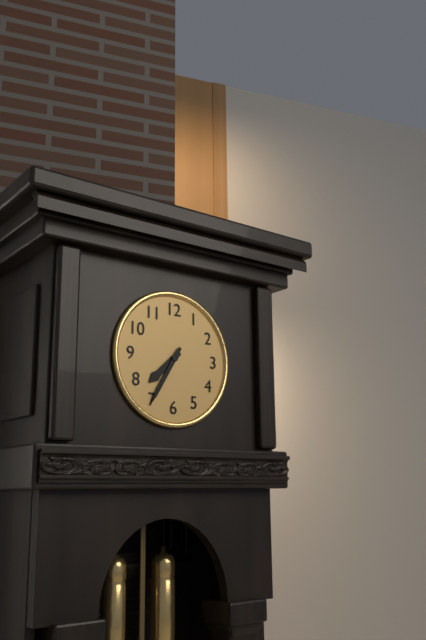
7:35
